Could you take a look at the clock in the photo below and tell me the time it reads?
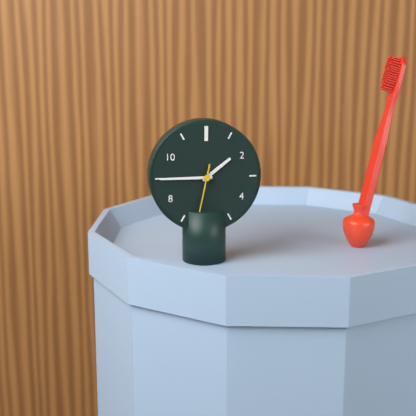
1:45:32
